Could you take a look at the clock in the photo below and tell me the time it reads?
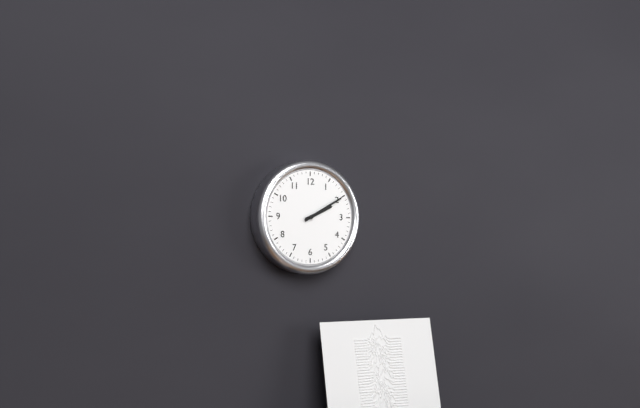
2:10
